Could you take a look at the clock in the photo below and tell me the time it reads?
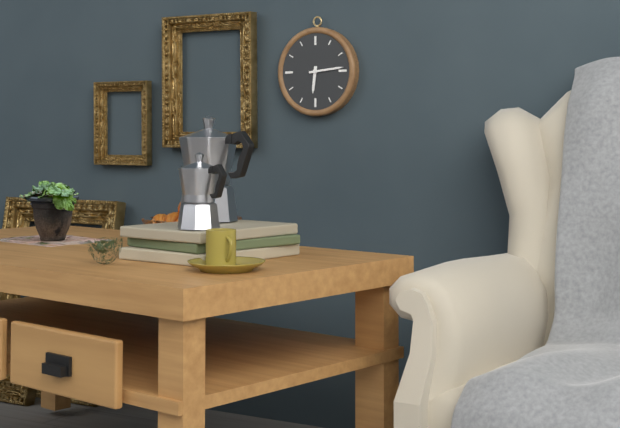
6:14
